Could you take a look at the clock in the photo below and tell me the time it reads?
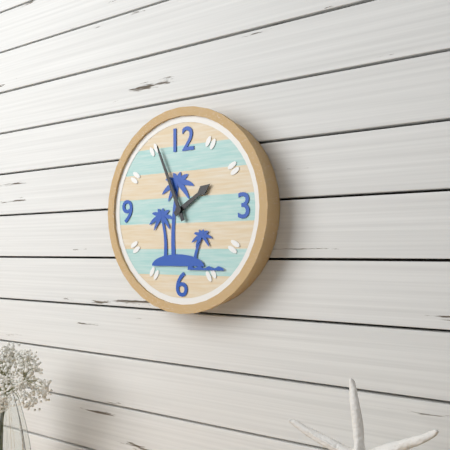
1:56
